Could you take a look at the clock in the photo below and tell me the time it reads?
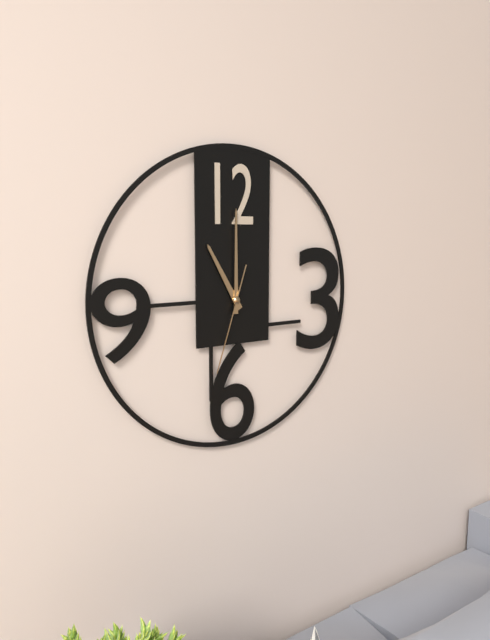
11:00:33
